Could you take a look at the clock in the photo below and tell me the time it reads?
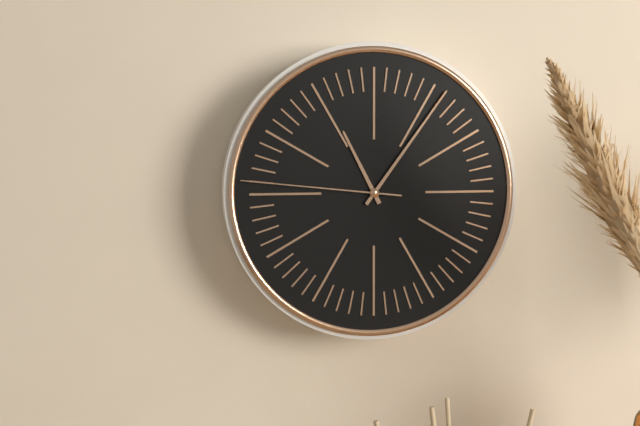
11:06:46
